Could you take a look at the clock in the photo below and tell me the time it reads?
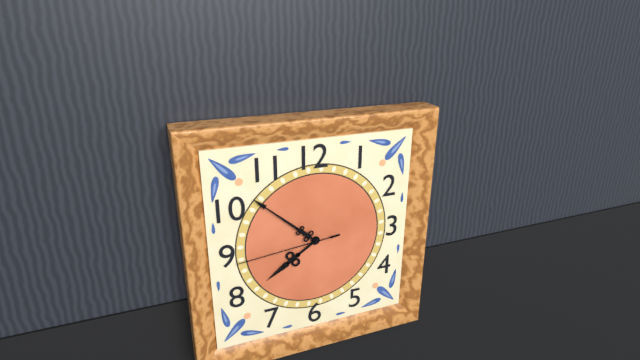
7:52:44
